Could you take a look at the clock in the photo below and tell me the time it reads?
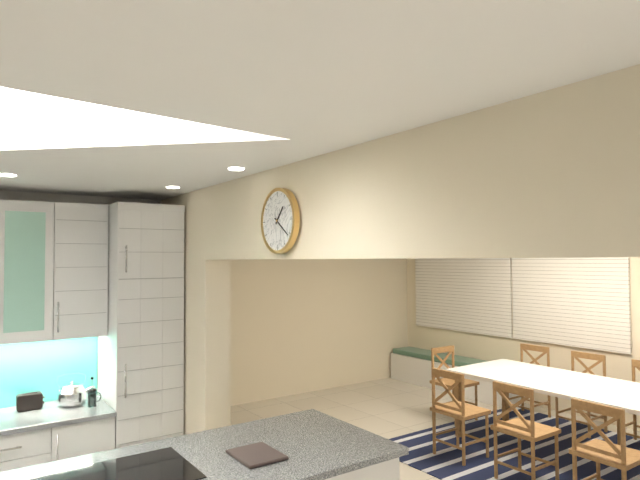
1:21
